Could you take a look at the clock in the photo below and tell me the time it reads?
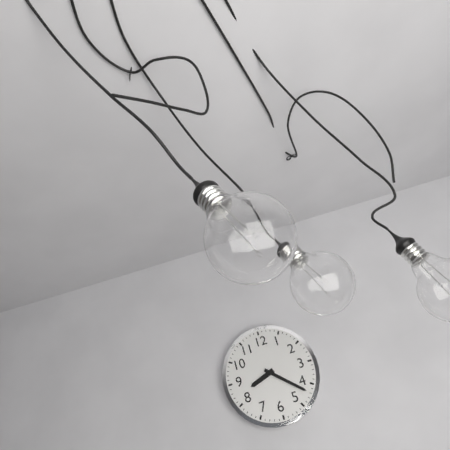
8:22
